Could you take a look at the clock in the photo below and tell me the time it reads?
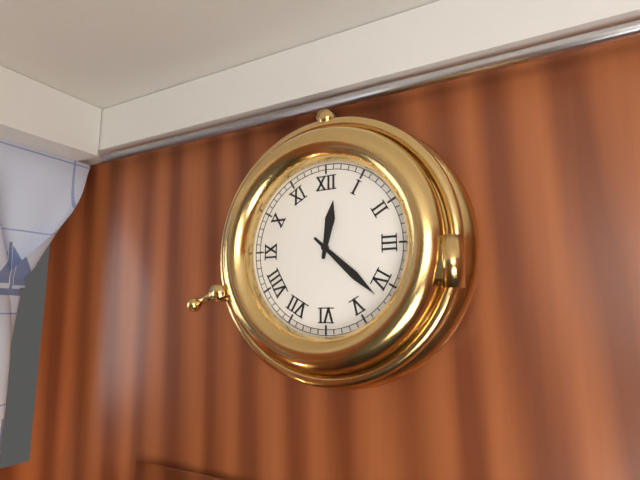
12:22
